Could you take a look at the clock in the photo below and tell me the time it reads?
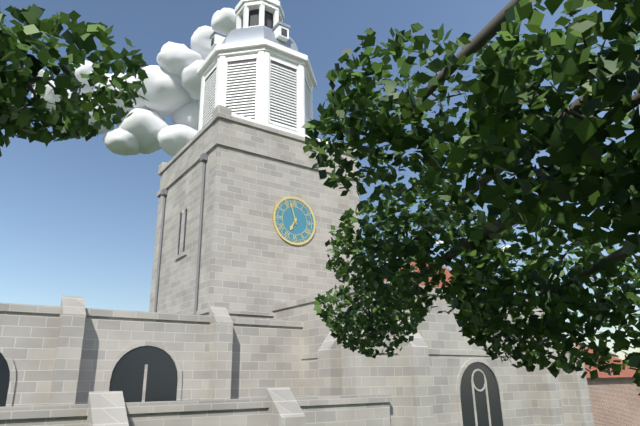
6:57
